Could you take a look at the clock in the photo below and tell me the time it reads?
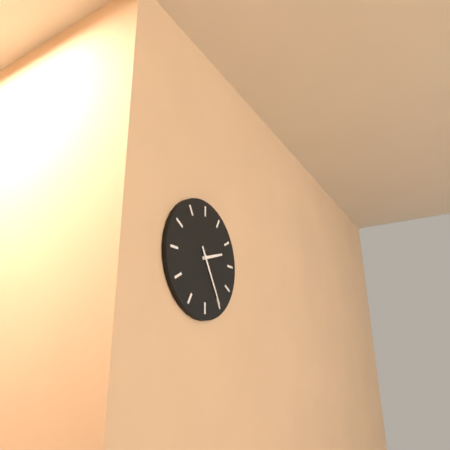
2:25
